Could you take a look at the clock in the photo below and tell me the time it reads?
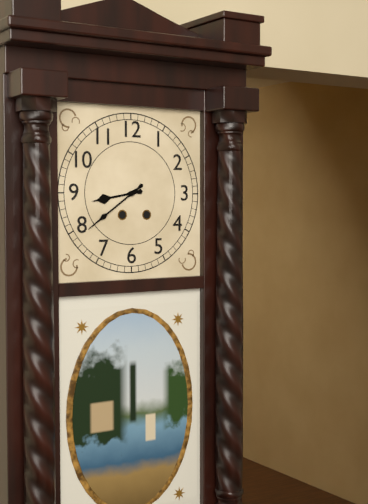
8:39
